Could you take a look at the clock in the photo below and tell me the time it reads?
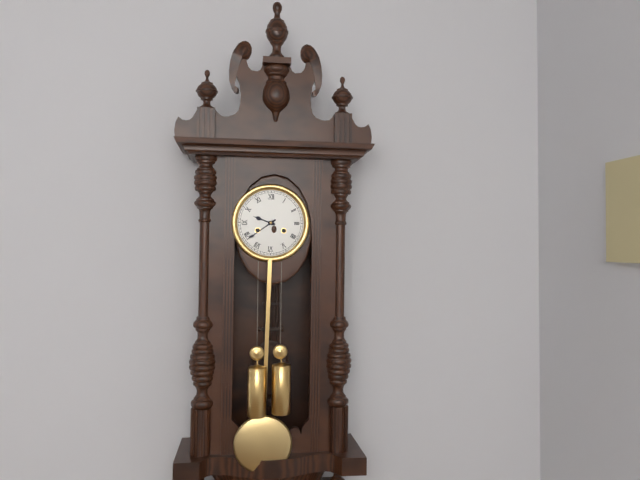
9:39
